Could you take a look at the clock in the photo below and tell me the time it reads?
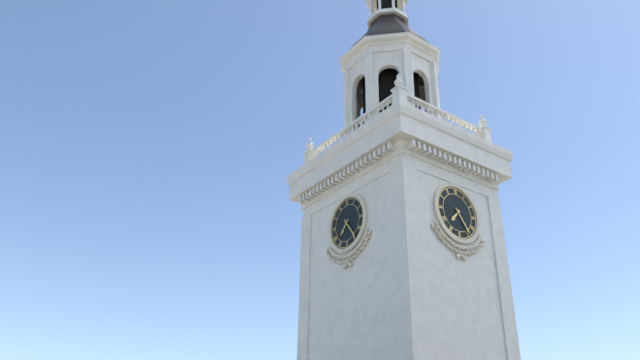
7:24
